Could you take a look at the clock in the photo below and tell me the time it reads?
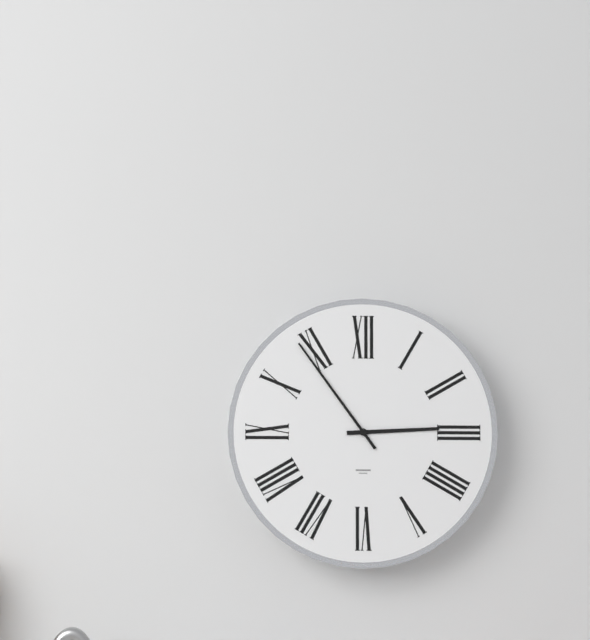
2:54
